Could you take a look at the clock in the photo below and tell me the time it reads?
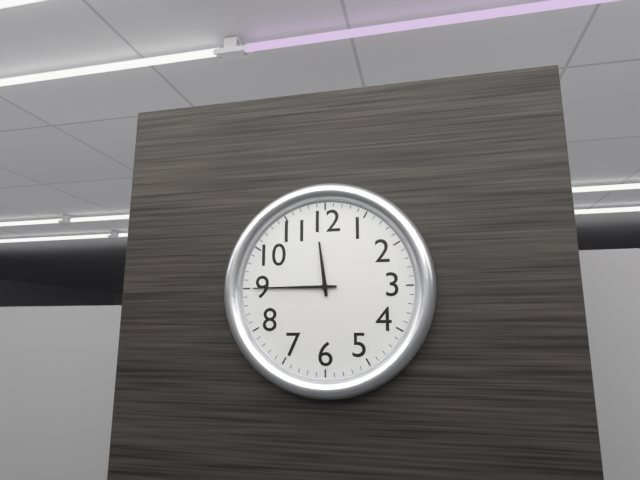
11:45
